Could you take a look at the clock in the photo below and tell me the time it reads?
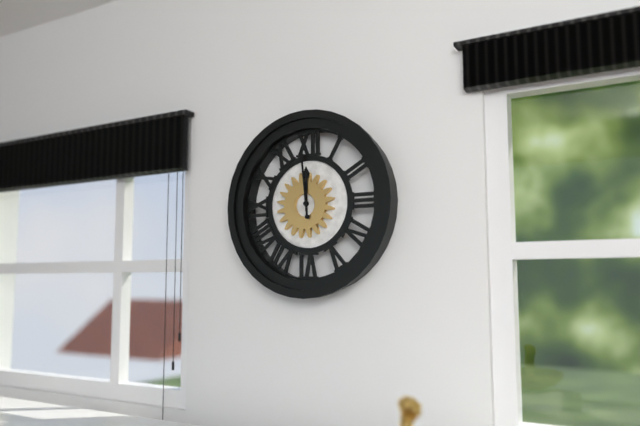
11:59
